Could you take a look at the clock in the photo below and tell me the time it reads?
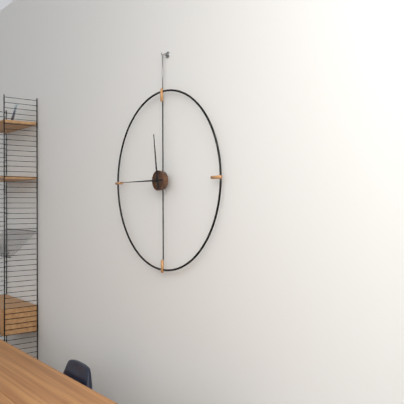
11:45
